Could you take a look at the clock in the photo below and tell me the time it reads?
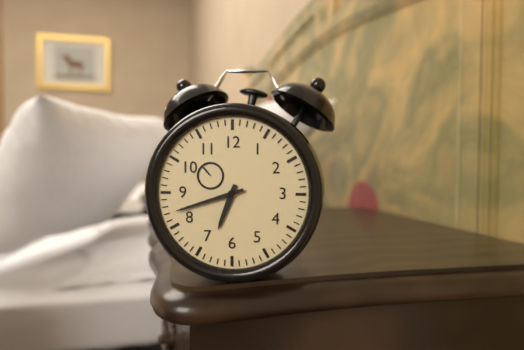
6:42
